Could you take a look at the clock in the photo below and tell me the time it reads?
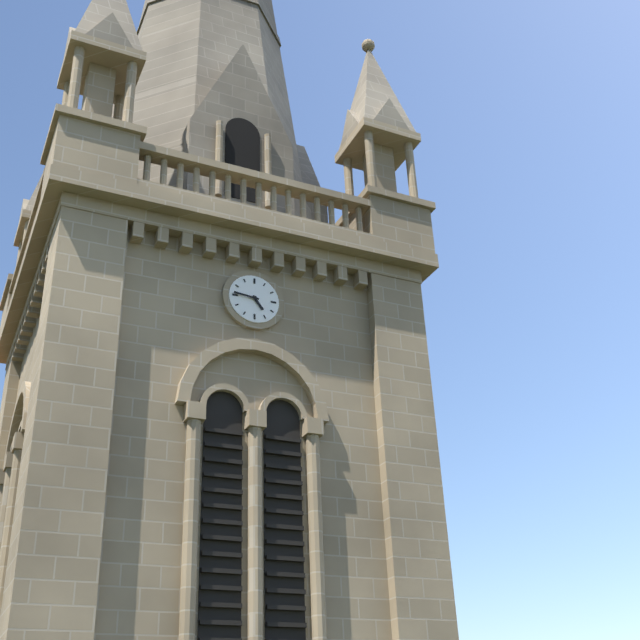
4:46
